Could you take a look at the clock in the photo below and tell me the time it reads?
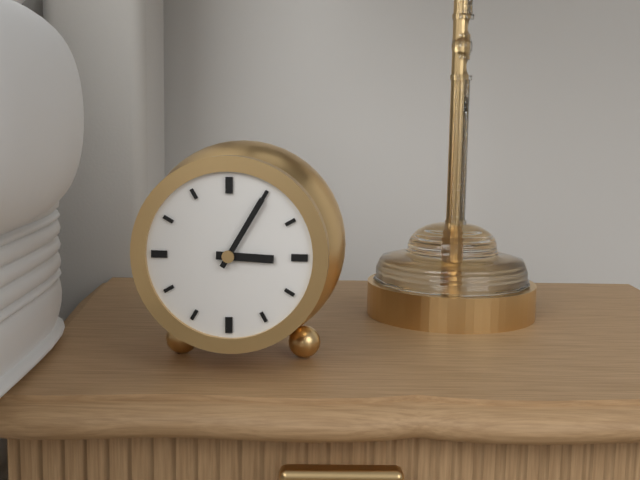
3:05
